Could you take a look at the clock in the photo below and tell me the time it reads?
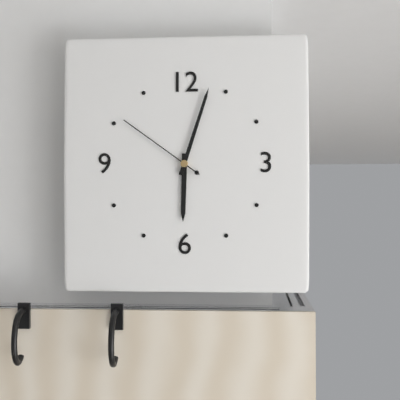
6:03:51
